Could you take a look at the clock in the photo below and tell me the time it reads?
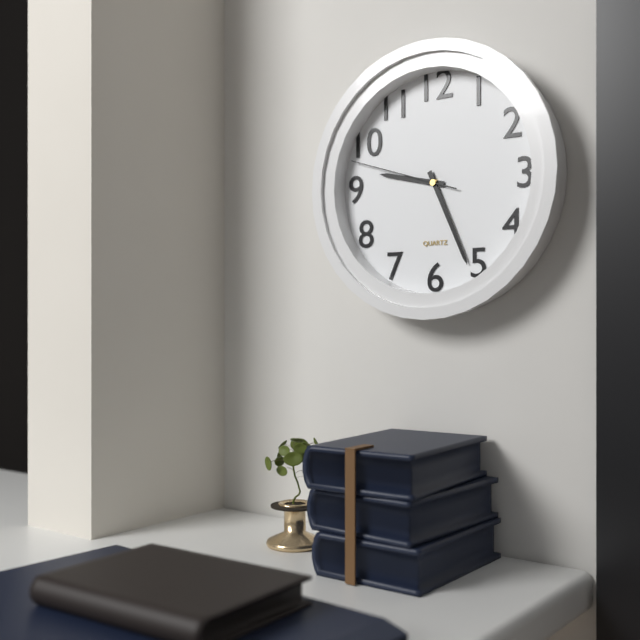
9:26:48
